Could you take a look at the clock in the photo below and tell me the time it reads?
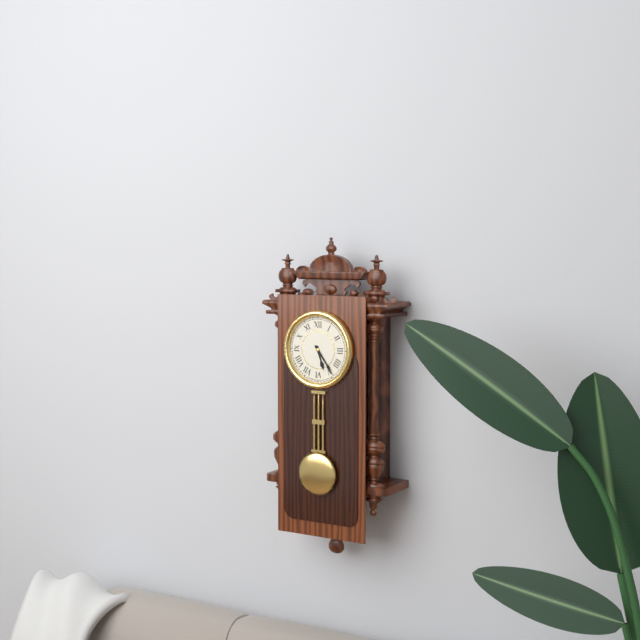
5:24
